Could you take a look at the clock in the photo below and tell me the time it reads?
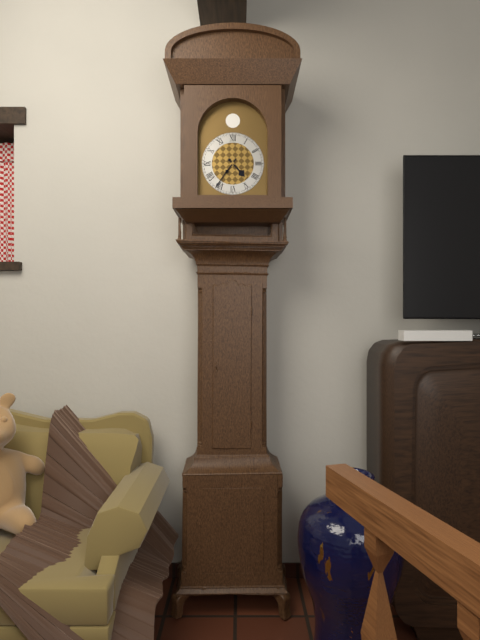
4:36
